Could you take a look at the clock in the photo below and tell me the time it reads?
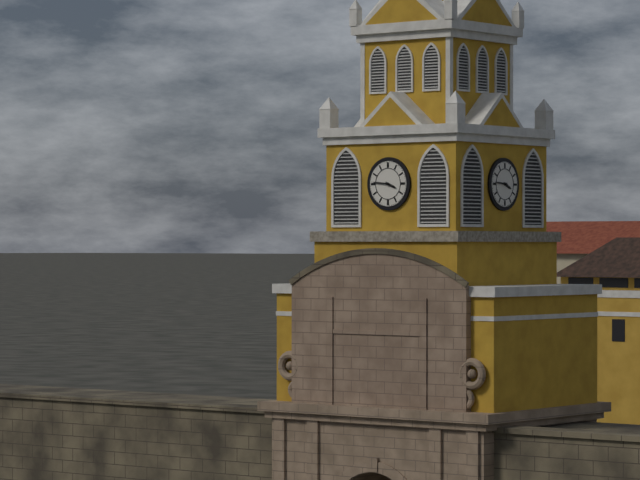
3:46
